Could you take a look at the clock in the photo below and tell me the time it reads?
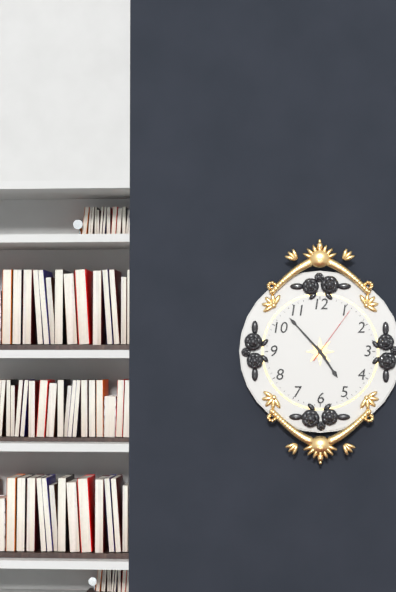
4:53:06
